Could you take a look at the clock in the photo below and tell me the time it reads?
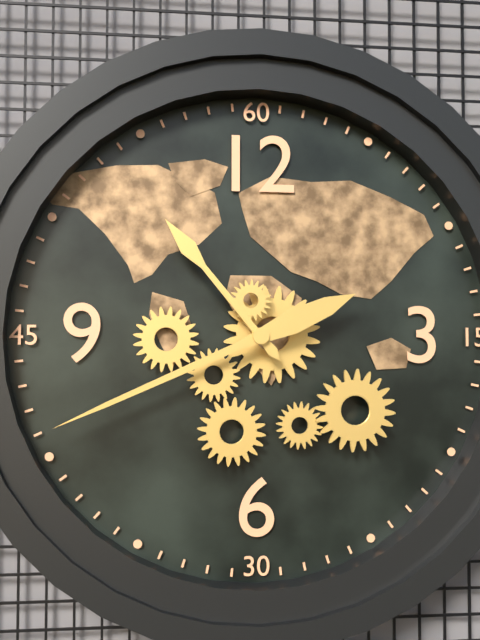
10:41
